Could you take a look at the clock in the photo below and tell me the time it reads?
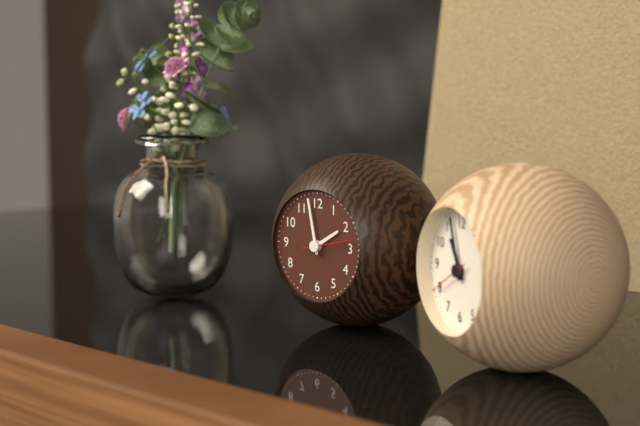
1:58
